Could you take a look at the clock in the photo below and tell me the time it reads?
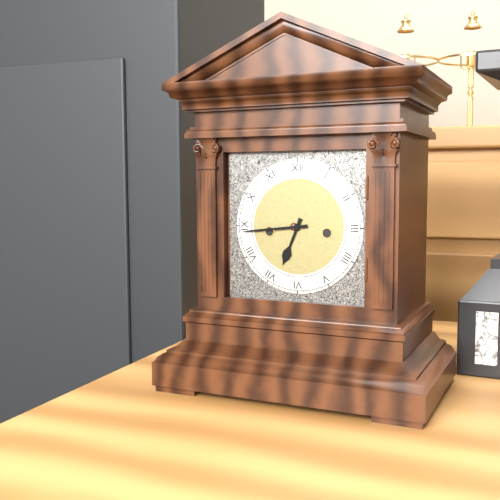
6:44
